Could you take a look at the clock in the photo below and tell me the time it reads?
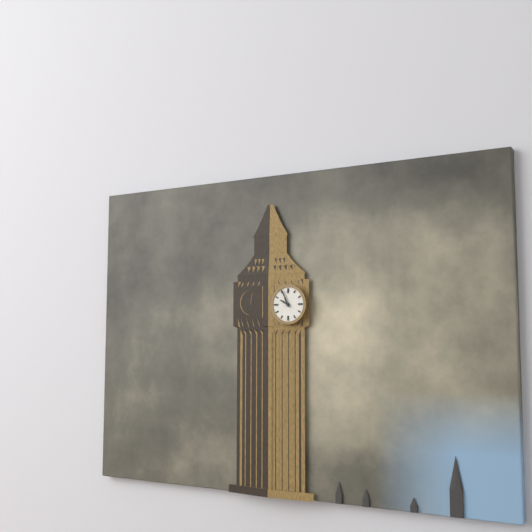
9:56
